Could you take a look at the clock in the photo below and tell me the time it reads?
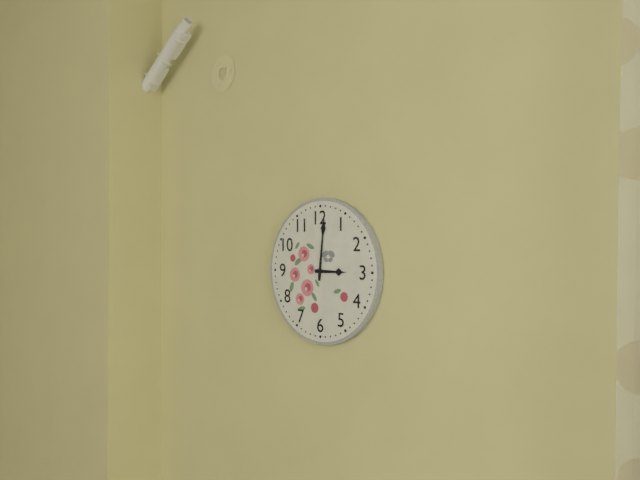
3:01
